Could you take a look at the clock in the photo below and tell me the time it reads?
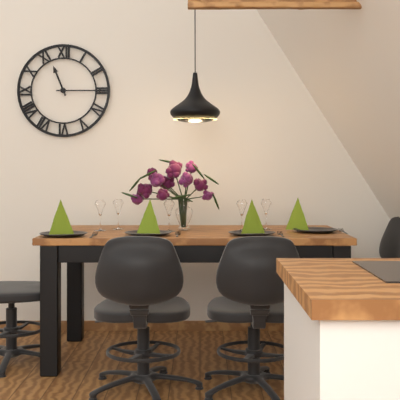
11:15
